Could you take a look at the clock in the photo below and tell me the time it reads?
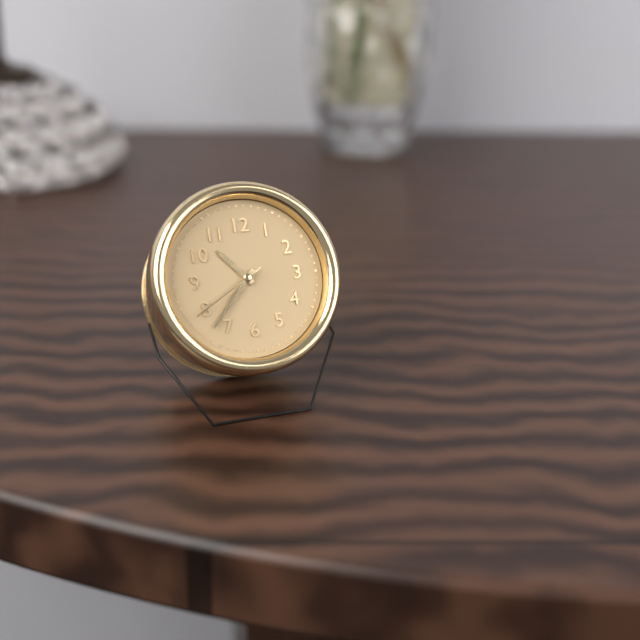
10:37:40
